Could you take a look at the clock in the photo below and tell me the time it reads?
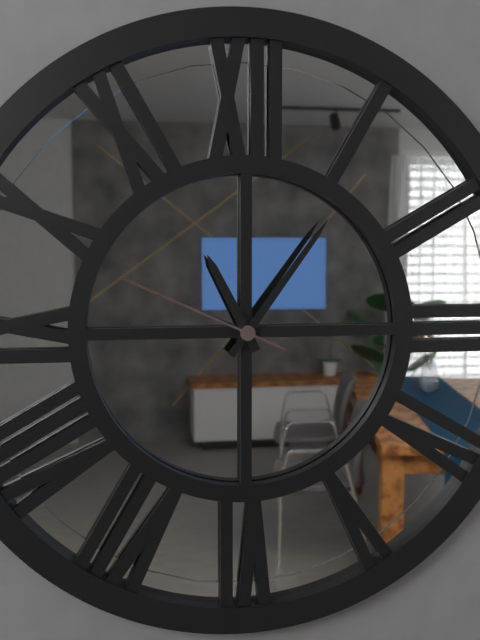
11:06:49
